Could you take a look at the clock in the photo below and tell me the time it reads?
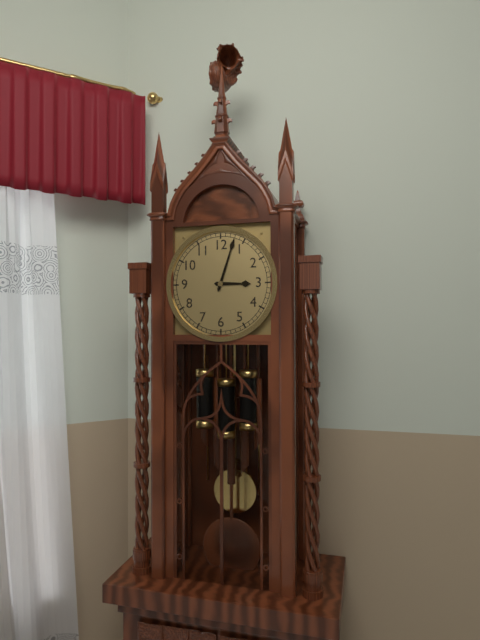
3:03
